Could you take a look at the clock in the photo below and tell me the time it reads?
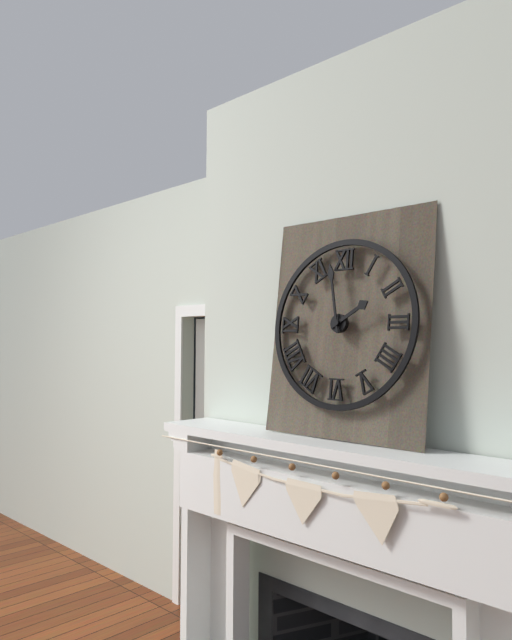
1:58
